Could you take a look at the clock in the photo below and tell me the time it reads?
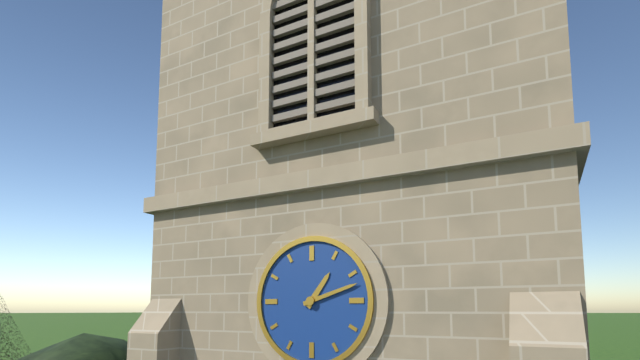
1:12
